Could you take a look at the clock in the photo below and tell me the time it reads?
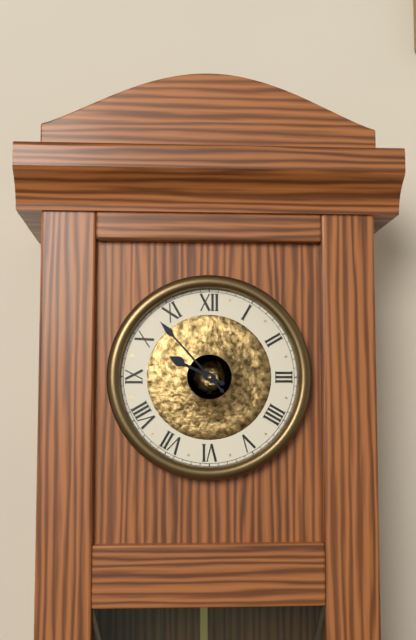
9:53
